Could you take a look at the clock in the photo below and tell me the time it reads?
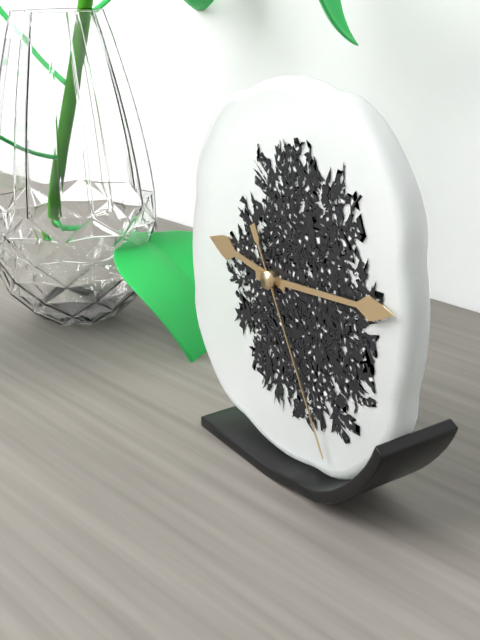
9:14:25
